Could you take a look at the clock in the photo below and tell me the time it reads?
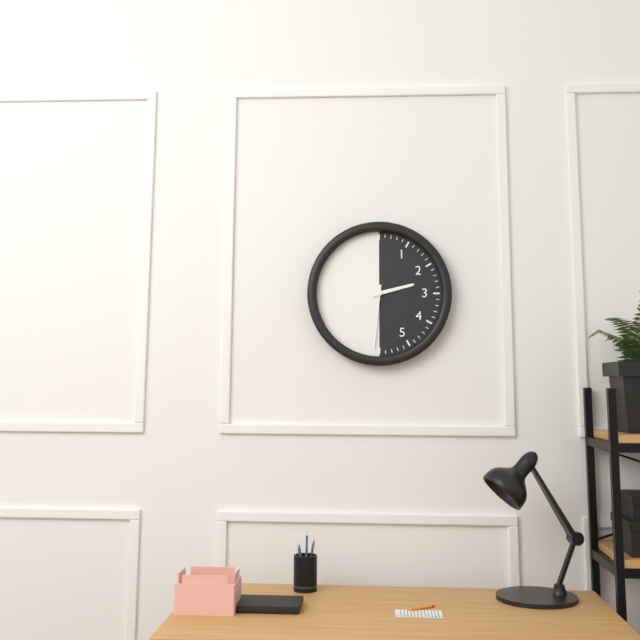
2:31
